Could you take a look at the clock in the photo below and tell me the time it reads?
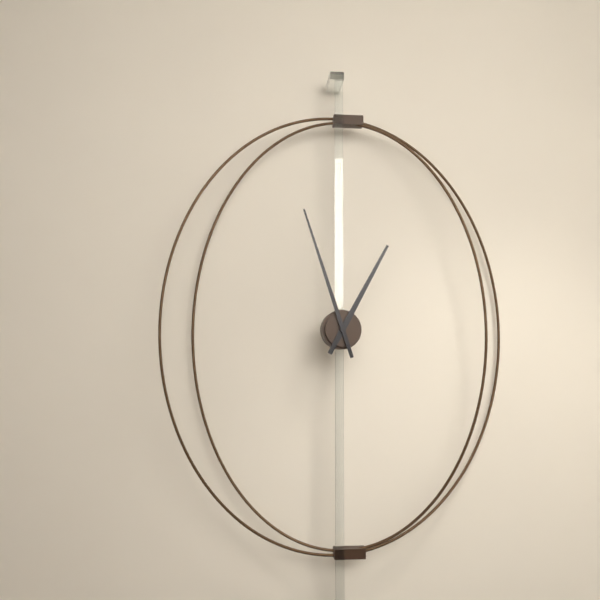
12:57
